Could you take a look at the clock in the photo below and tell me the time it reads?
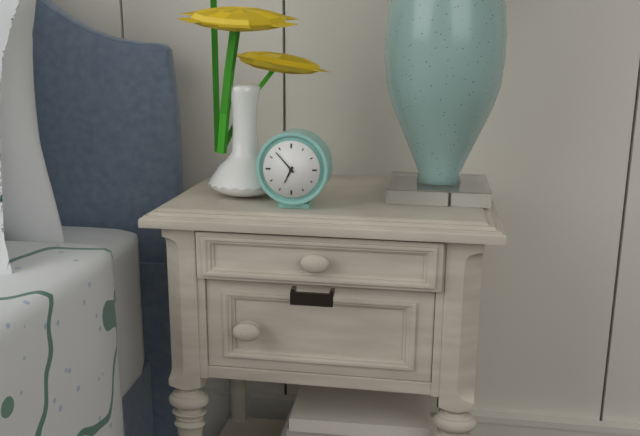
6:53
